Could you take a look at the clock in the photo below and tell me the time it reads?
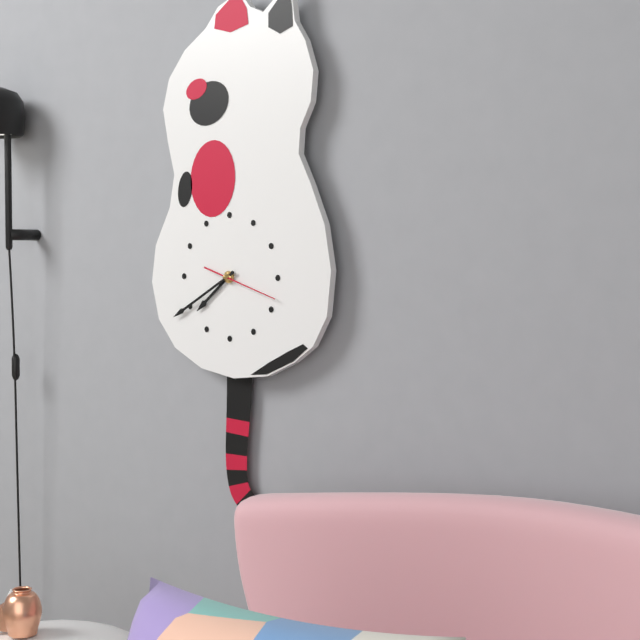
7:40:18
